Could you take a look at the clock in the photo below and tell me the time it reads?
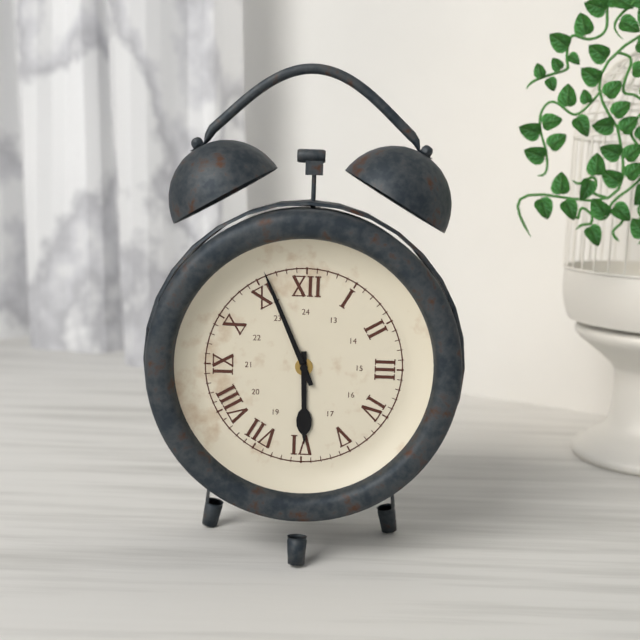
5:56
